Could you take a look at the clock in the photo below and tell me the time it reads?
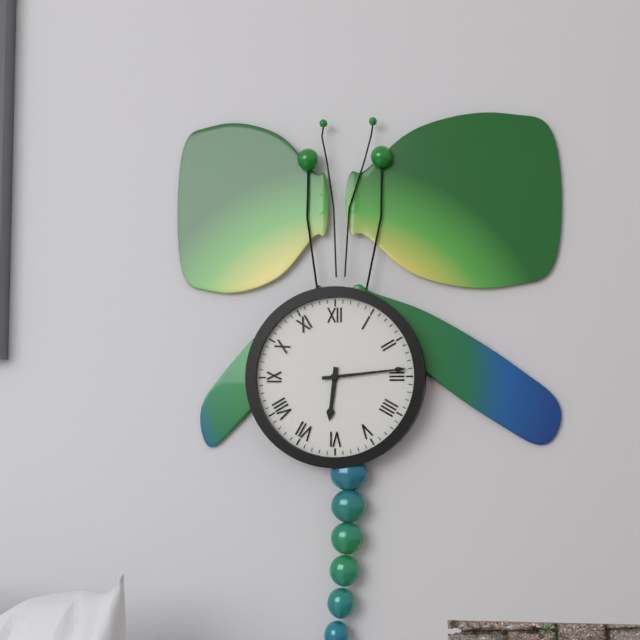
6:14
